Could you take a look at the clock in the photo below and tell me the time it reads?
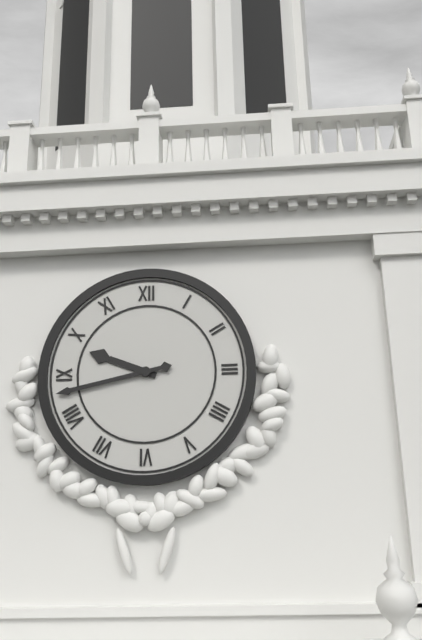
9:43
